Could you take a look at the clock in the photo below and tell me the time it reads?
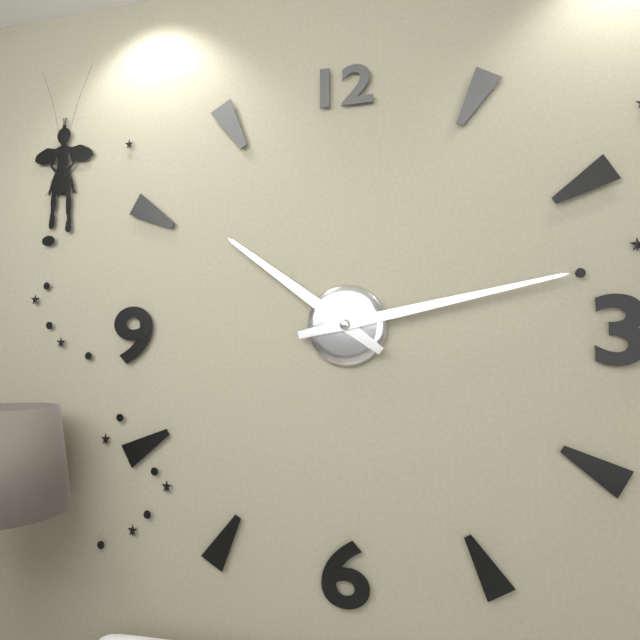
10:13
